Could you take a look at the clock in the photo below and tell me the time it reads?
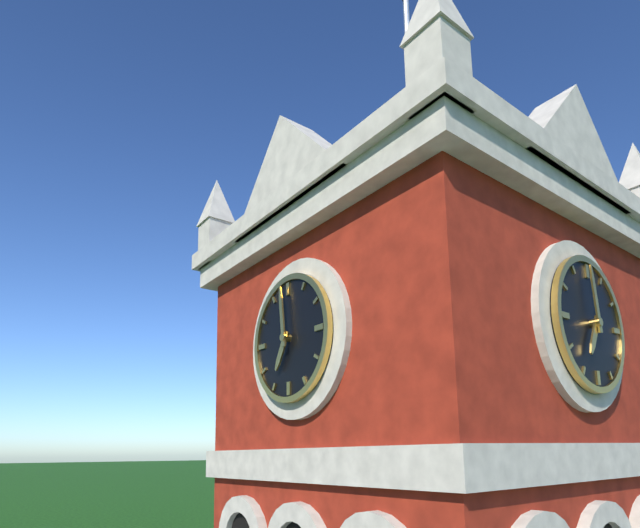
6:59
